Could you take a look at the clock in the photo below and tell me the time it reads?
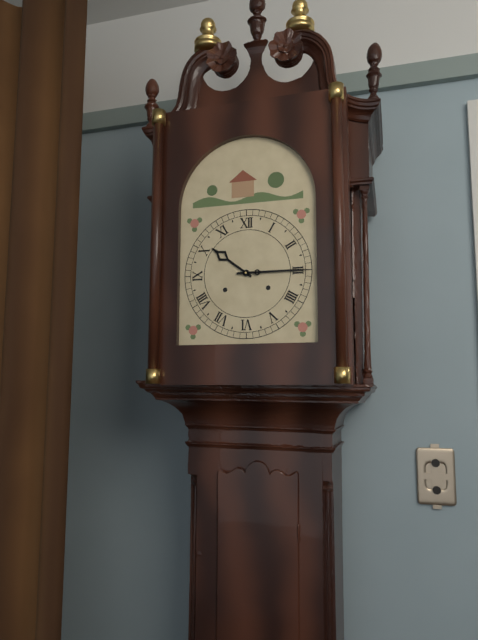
10:15
